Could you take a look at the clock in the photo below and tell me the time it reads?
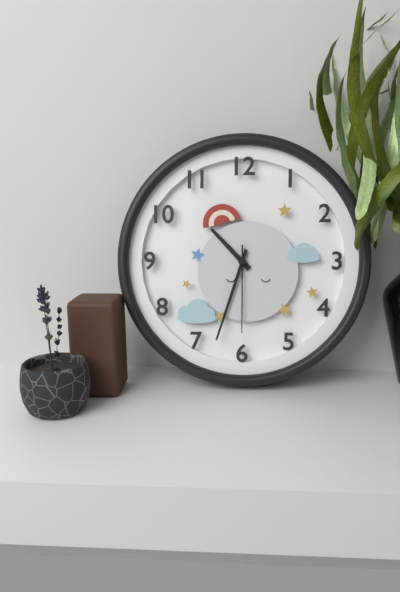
10:33:30
